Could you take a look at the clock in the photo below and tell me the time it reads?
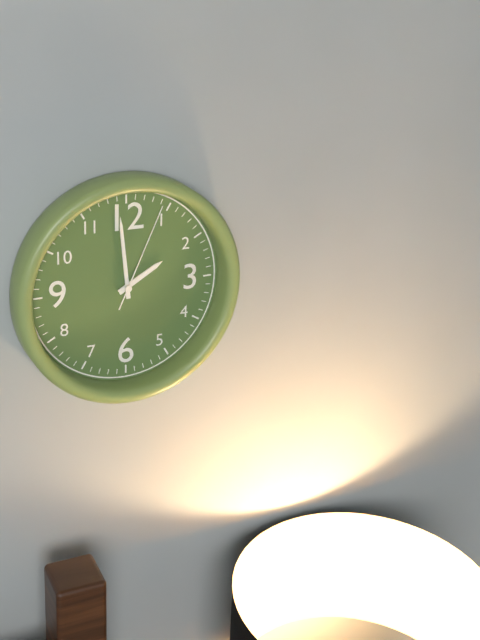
1:59:04
